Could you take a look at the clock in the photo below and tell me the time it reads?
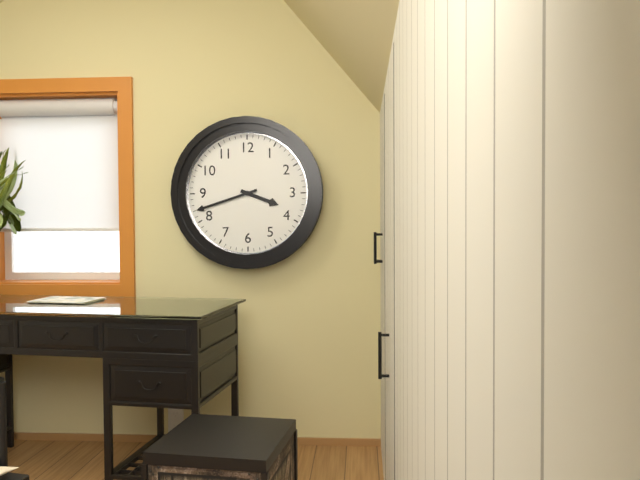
3:42
